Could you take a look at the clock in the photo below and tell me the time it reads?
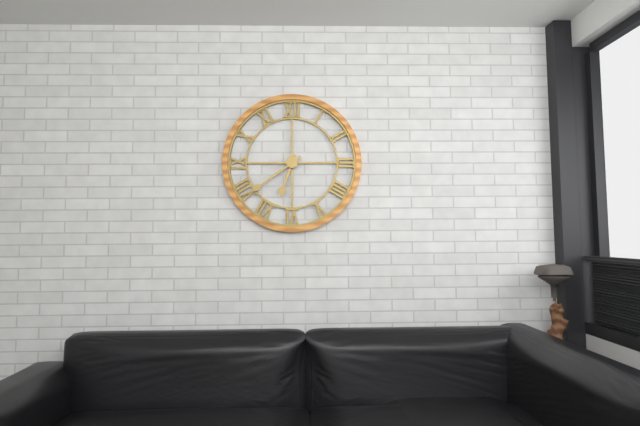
6:39
